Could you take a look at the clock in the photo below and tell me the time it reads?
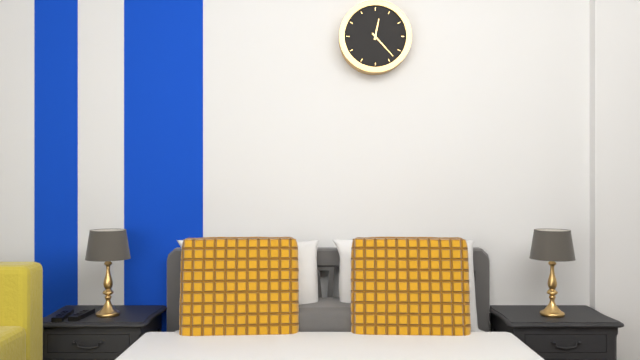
12:23
